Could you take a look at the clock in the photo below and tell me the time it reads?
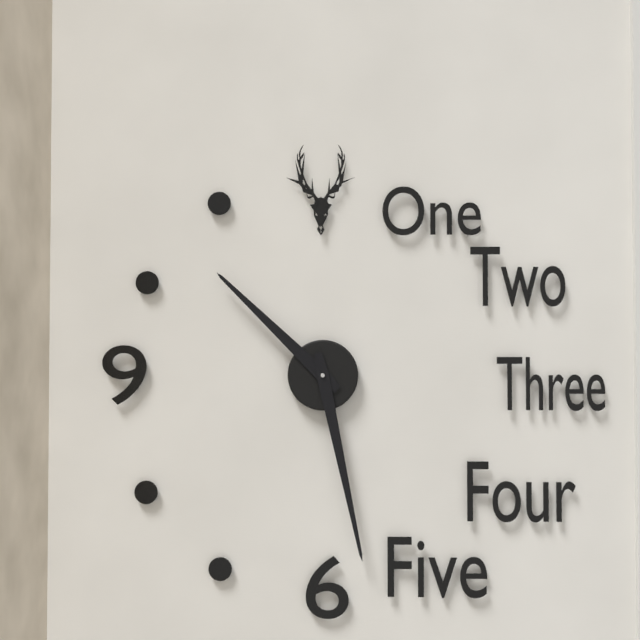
10:28
